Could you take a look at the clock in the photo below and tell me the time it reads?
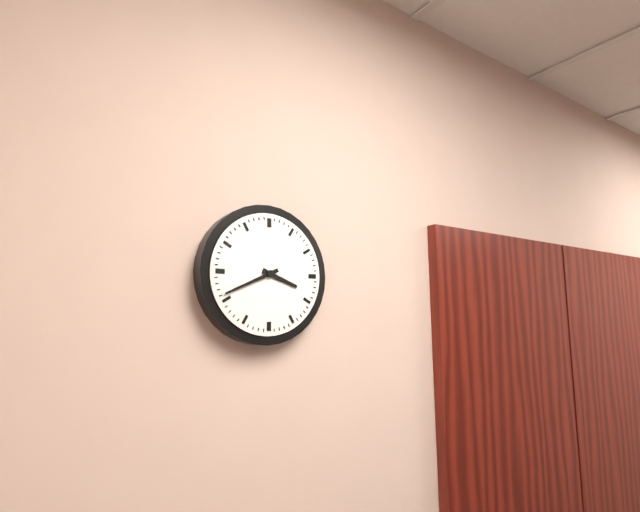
3:41
